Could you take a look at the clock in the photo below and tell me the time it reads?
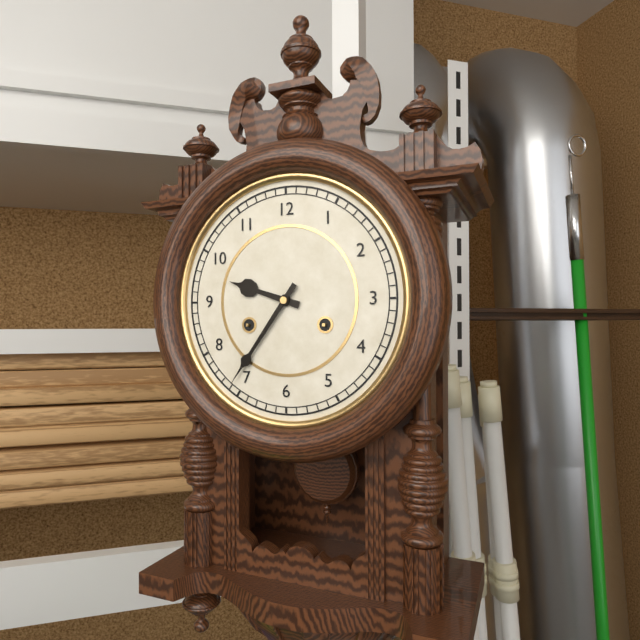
9:36
